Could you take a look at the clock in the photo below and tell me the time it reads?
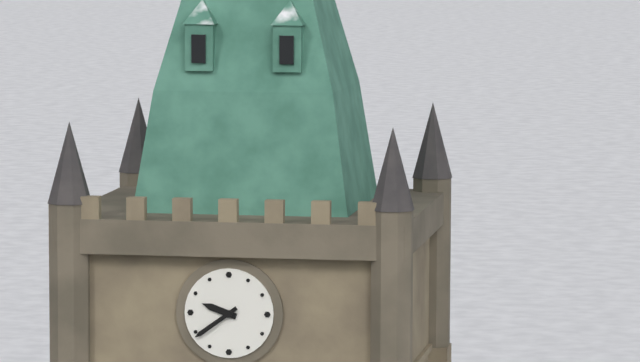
9:39
